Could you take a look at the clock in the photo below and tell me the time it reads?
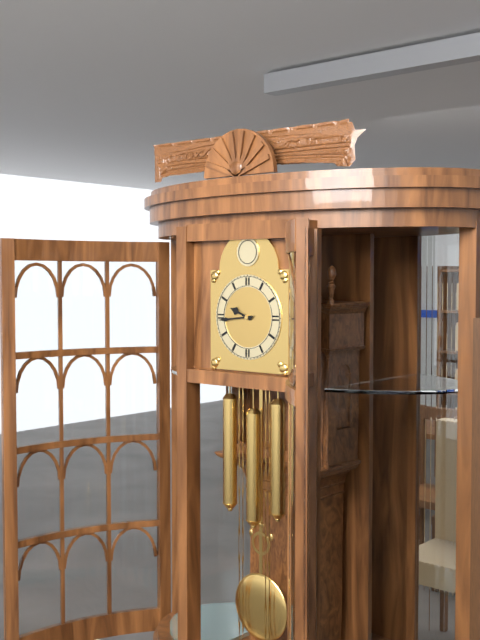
9:44
